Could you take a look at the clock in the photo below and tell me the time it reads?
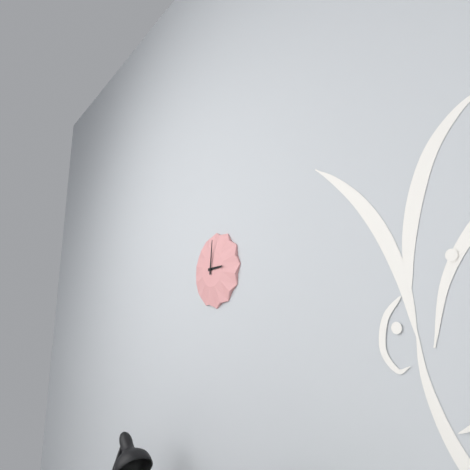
3:01
